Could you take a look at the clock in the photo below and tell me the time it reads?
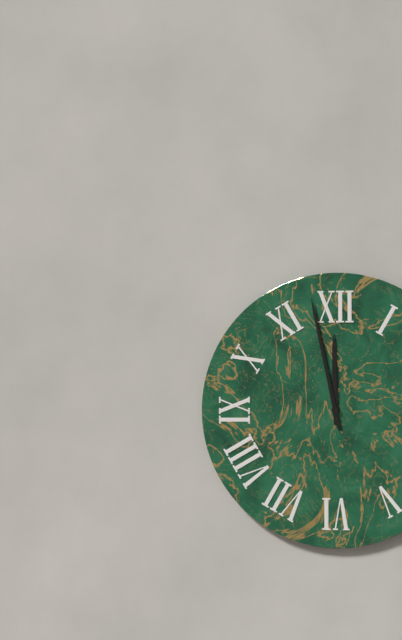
11:58
